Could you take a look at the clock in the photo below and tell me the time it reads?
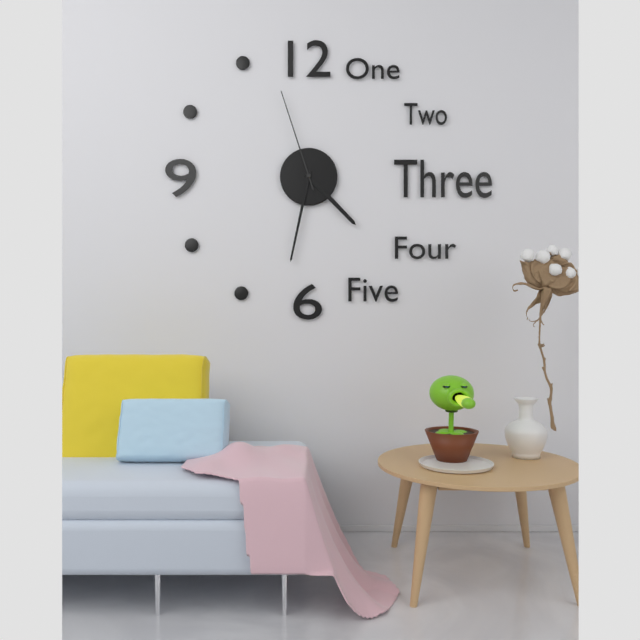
4:32:57
